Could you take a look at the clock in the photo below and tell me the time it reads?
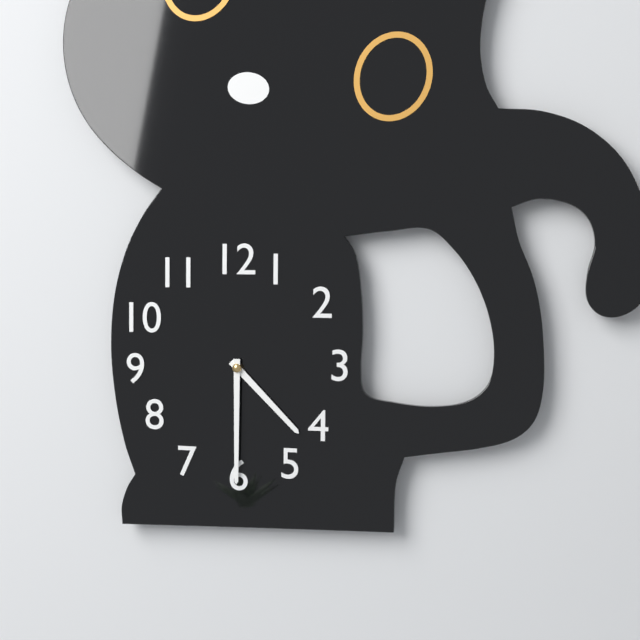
4:30
